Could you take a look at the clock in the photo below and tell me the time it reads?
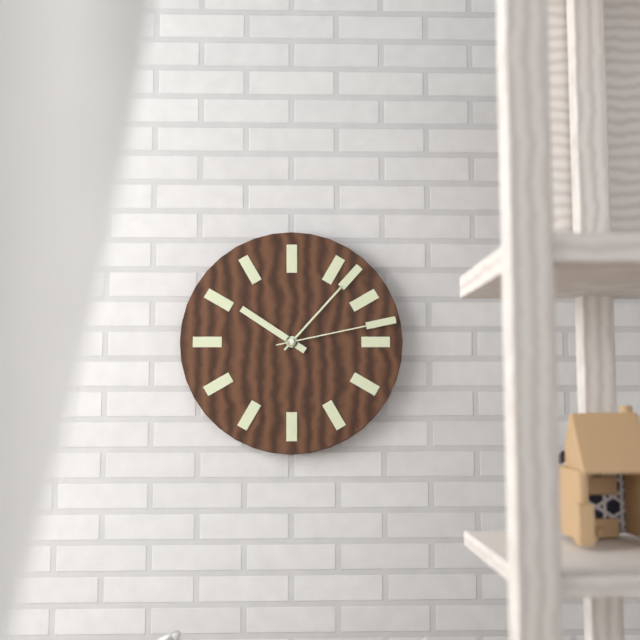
10:07:13
